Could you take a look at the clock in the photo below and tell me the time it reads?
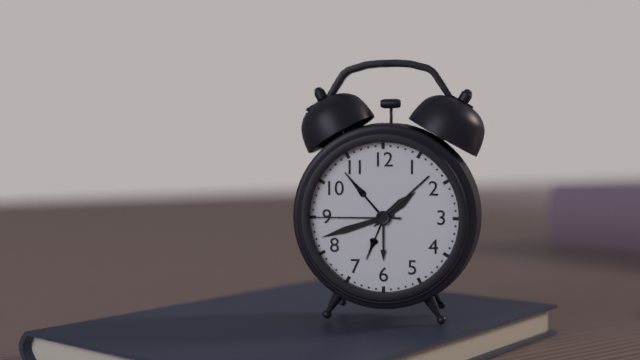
1:42:45
